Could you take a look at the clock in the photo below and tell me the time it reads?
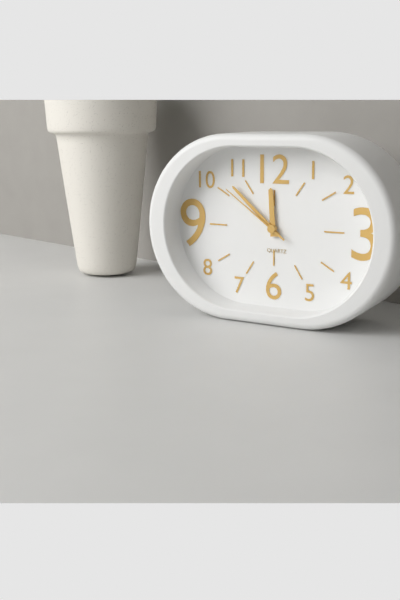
11:52:51
